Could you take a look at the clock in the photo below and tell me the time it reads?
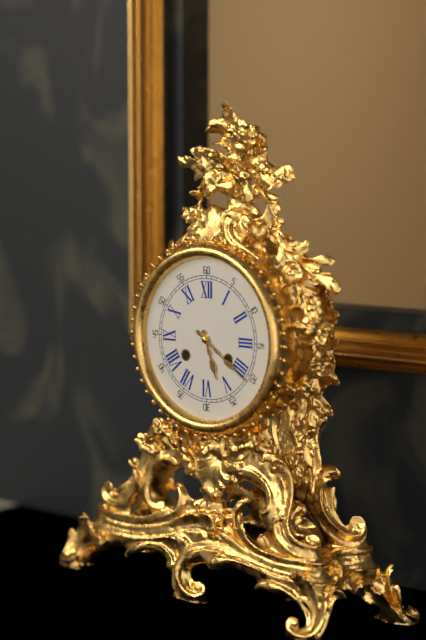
5:21
